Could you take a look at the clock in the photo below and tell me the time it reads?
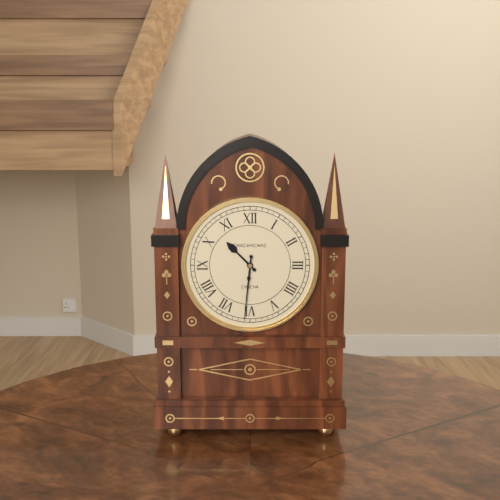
10:31
